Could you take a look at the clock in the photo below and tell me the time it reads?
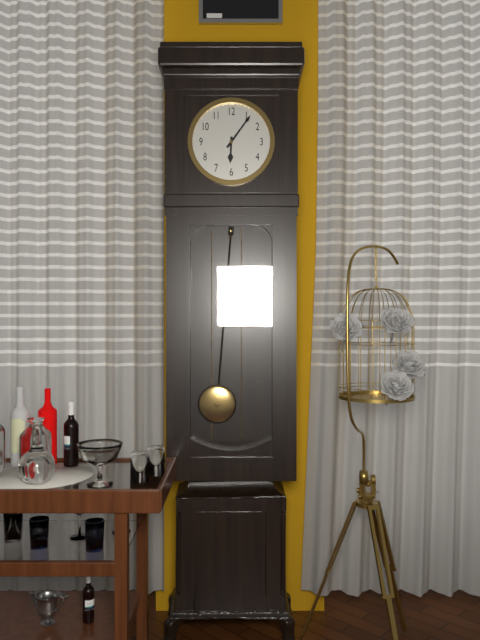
6:06
